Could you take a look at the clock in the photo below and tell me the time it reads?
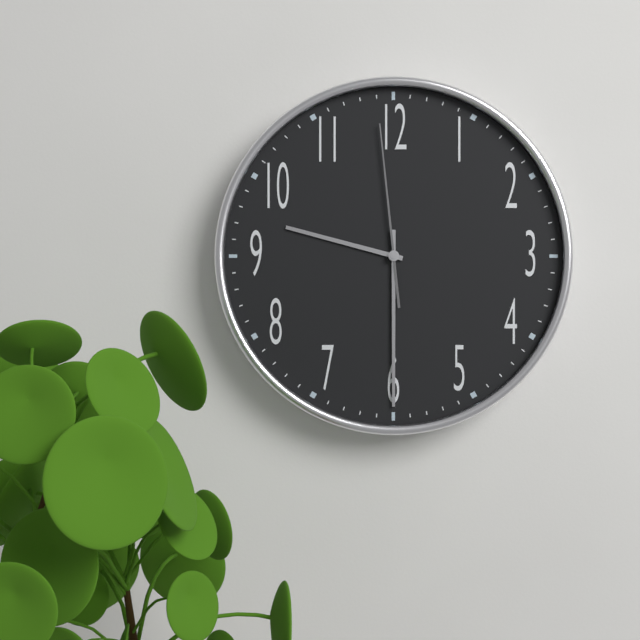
9:30:59
